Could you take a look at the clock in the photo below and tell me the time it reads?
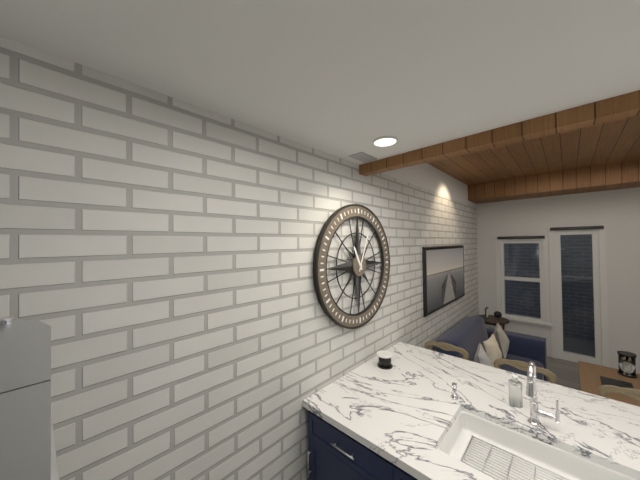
11:04
